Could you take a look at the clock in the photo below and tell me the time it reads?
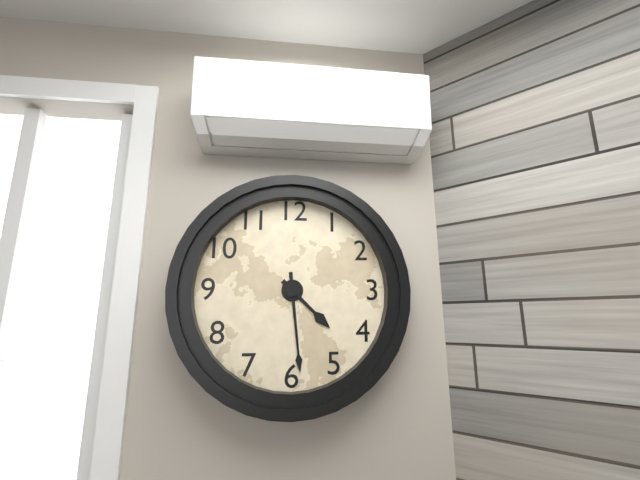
4:29
